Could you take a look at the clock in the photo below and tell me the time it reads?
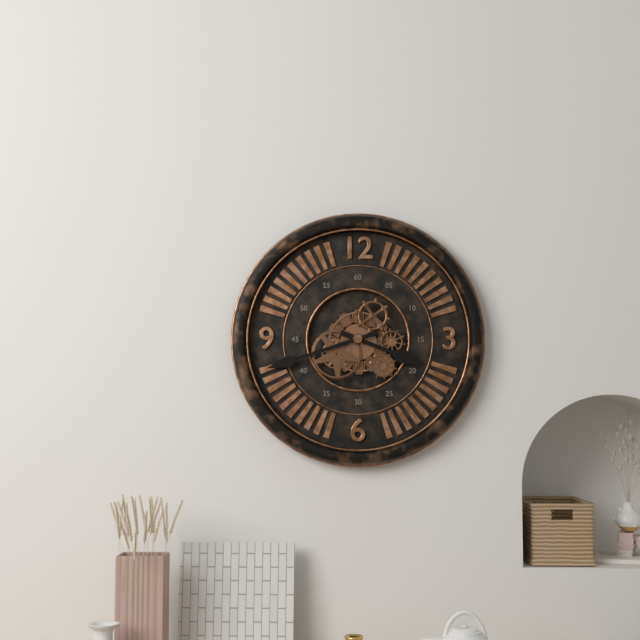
3:42
